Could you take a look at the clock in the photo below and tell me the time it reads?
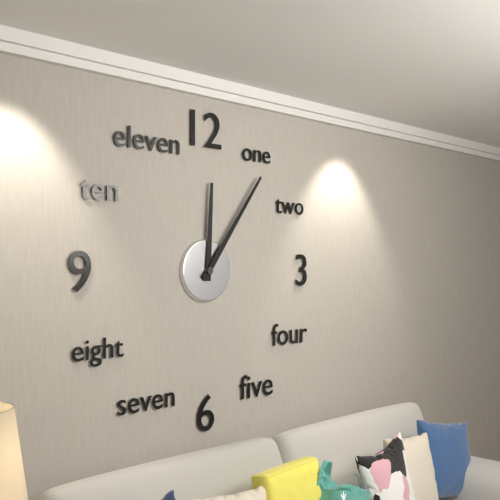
12:06
